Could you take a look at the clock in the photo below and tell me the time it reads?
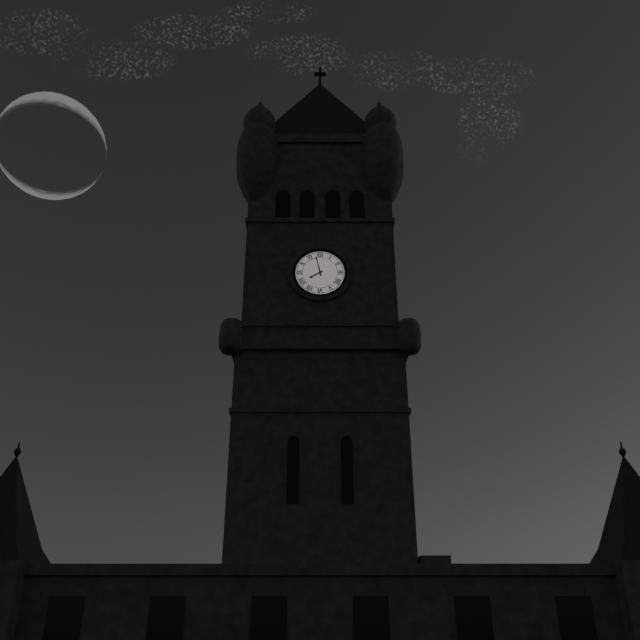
7:58
